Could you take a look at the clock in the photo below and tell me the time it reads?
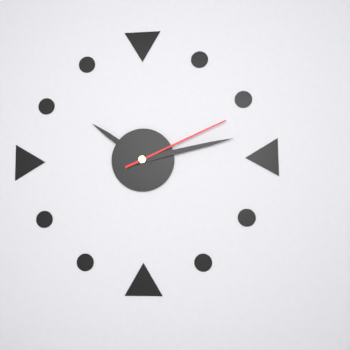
10:13:11
